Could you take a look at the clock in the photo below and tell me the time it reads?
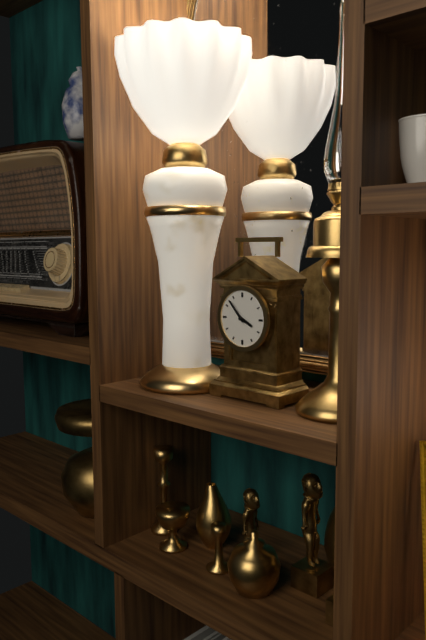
3:53
